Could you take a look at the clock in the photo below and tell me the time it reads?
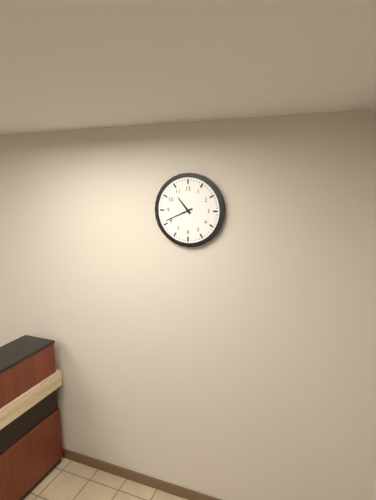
10:41
